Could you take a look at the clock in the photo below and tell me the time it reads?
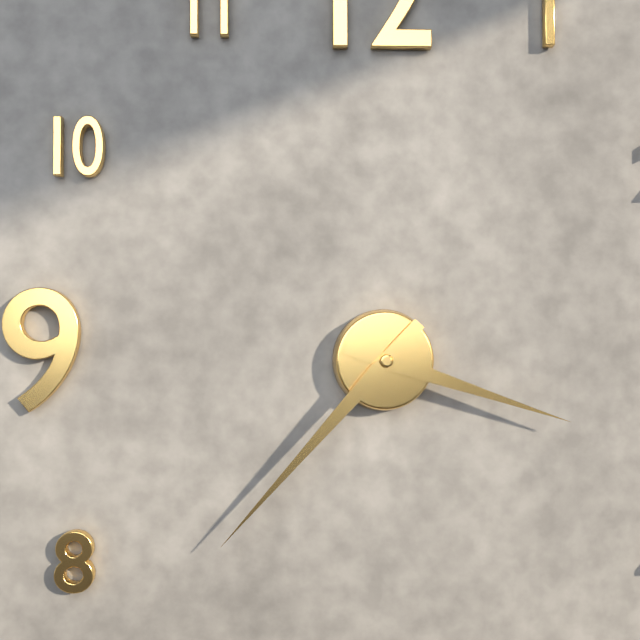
3:37
